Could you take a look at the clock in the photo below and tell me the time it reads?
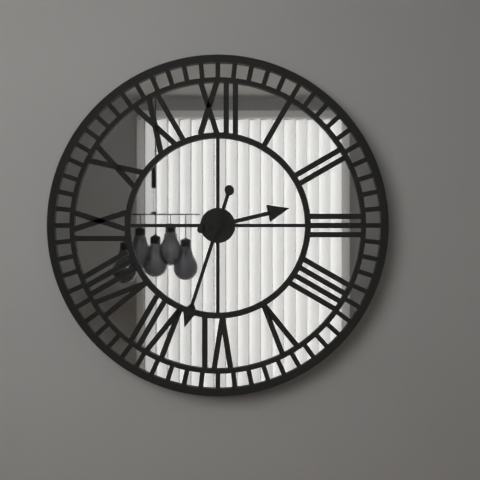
2:33
